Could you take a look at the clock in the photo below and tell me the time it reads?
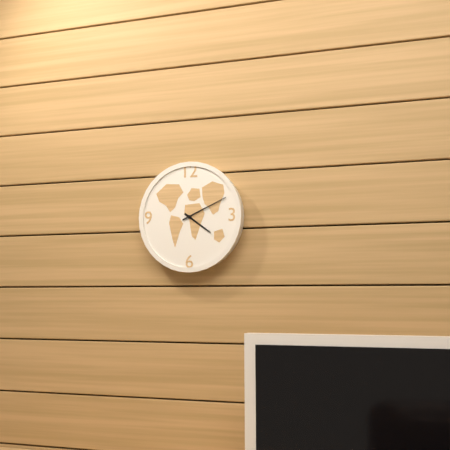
4:11
